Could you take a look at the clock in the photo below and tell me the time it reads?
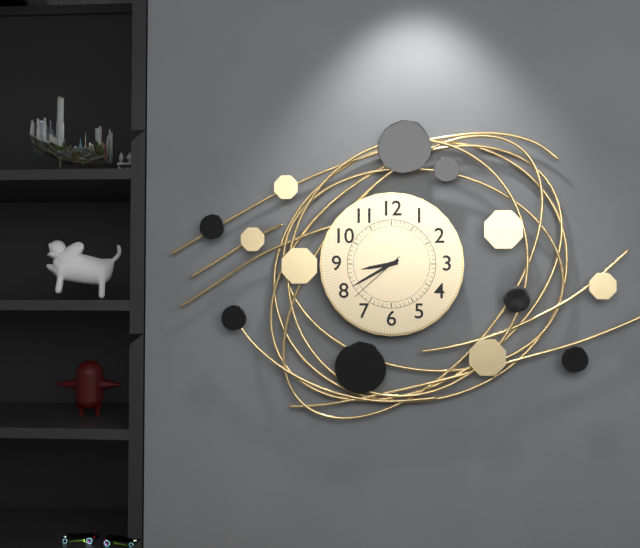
8:40:38
